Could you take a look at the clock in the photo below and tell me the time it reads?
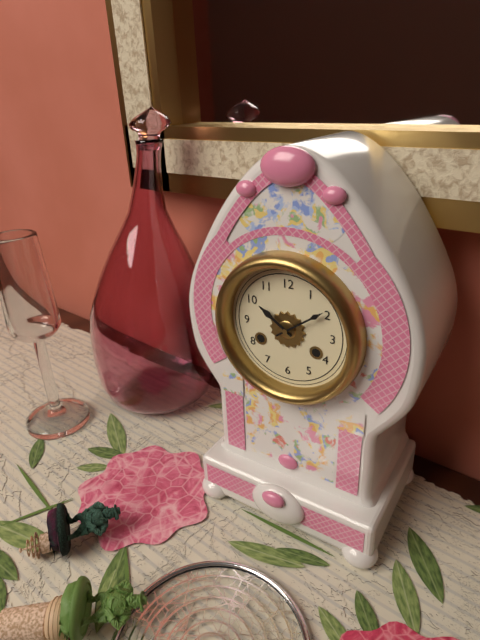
10:09
